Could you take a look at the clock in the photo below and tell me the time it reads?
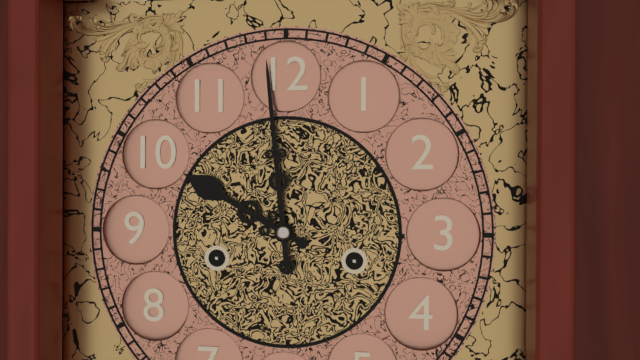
9:59
